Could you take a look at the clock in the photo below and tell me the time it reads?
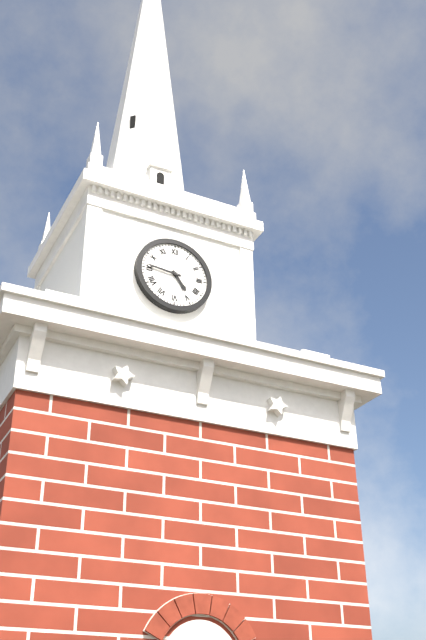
4:46
